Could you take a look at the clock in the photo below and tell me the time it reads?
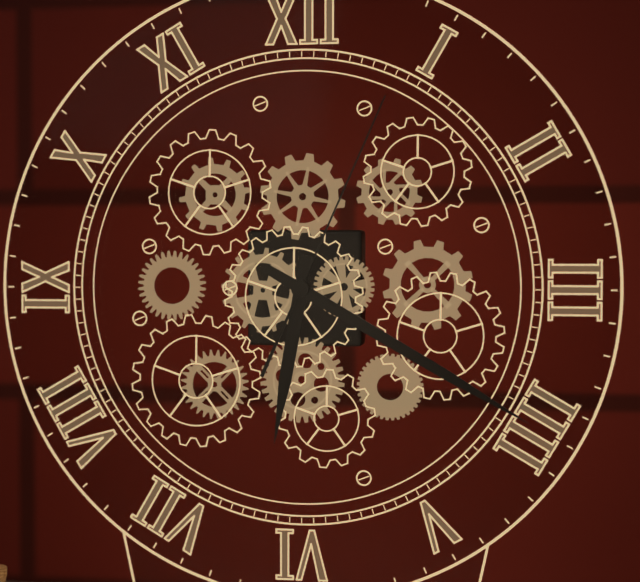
6:20:04
